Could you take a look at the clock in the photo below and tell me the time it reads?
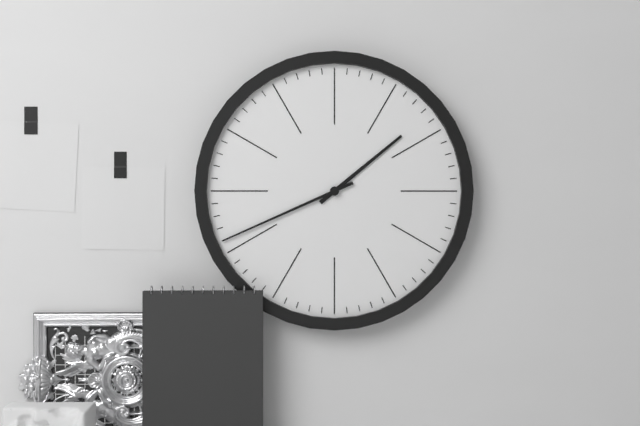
1:41
